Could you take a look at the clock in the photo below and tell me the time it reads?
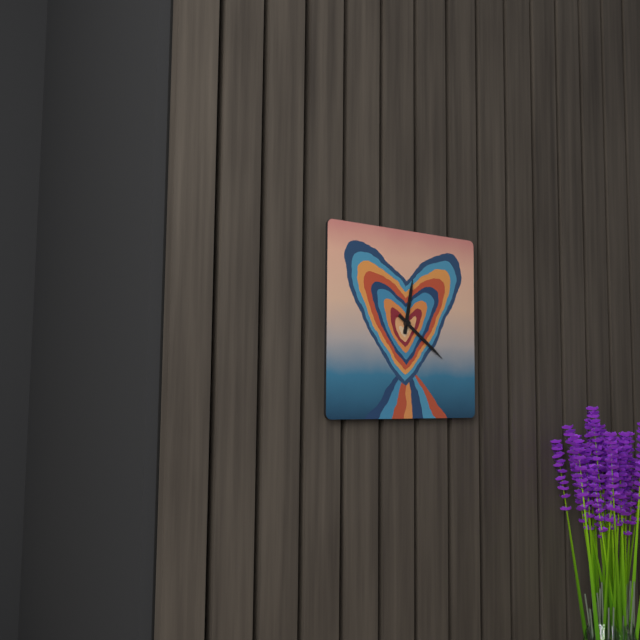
12:21
